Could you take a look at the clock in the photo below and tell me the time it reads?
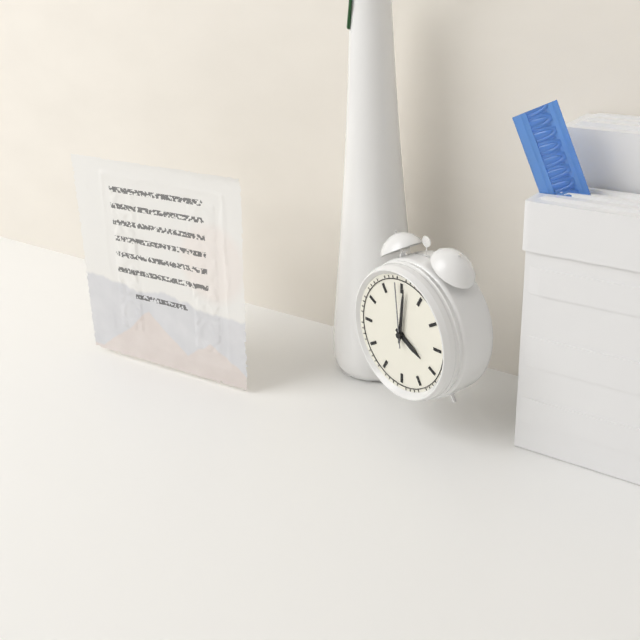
4:01:59
